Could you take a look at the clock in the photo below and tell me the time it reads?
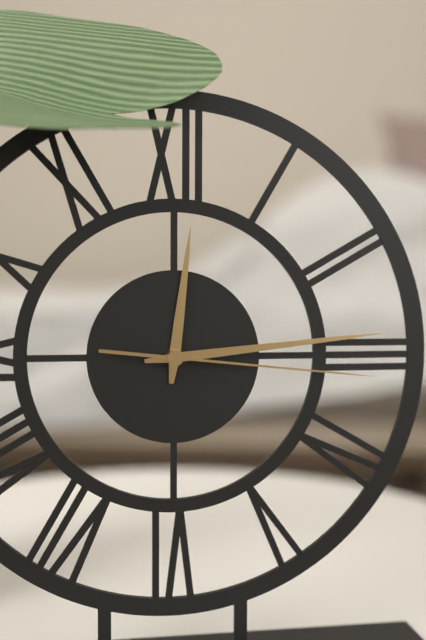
12:14:16
